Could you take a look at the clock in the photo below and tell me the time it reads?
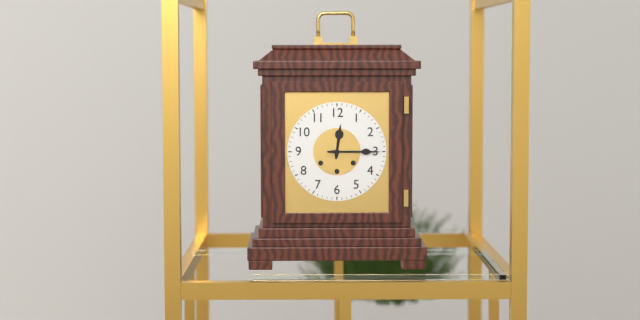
12:15
